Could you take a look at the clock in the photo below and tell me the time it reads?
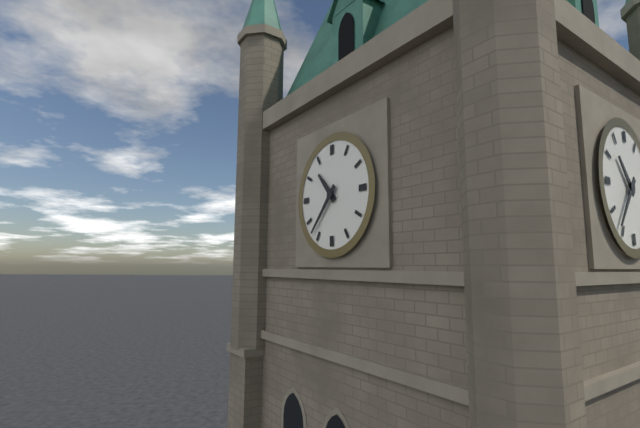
10:37
